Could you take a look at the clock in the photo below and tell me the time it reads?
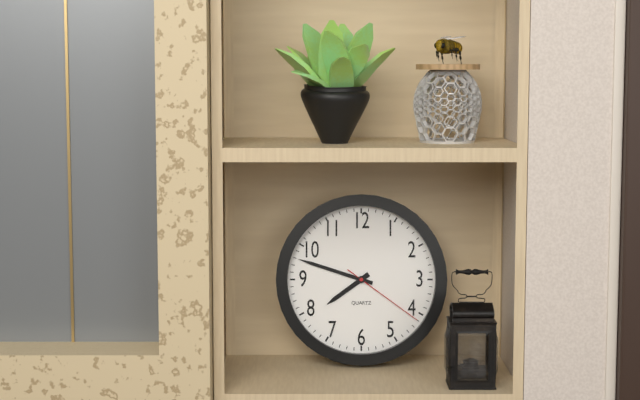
7:48:21
